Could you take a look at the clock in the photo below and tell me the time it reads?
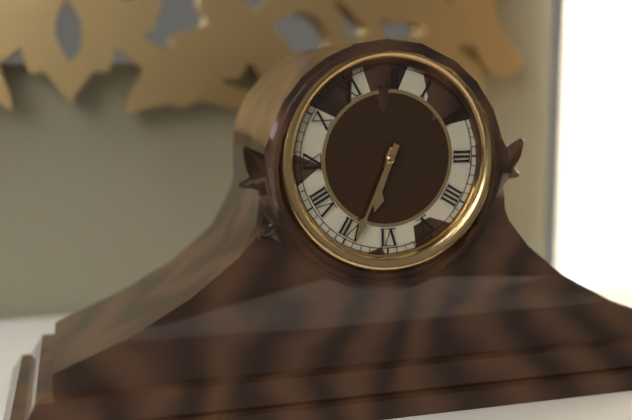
6:34
